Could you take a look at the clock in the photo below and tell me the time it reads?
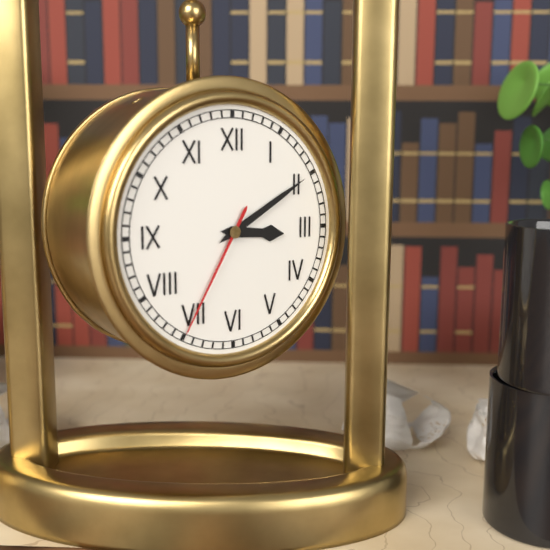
3:10:35
